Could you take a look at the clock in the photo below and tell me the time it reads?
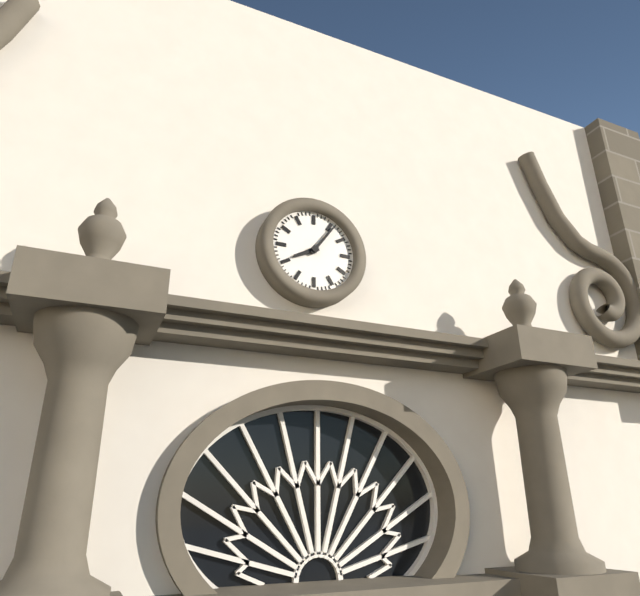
8:06
